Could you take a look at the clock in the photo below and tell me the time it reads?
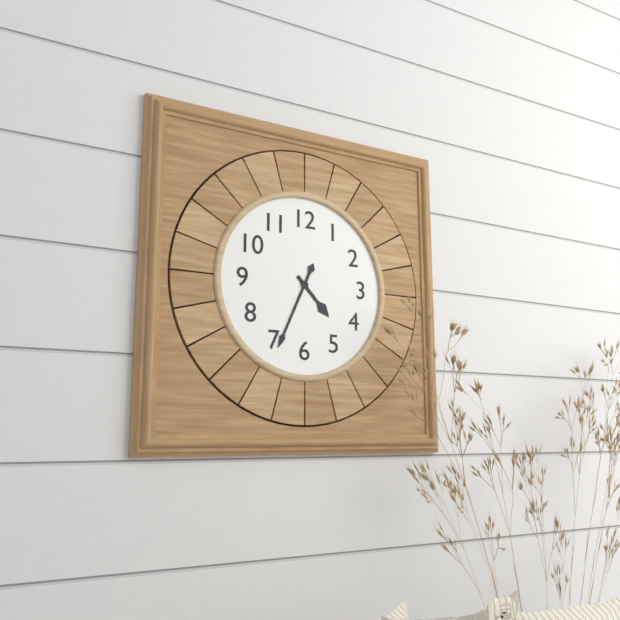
4:34
